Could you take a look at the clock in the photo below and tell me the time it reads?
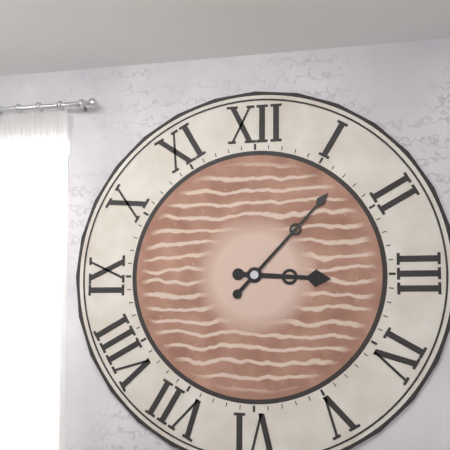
3:07
